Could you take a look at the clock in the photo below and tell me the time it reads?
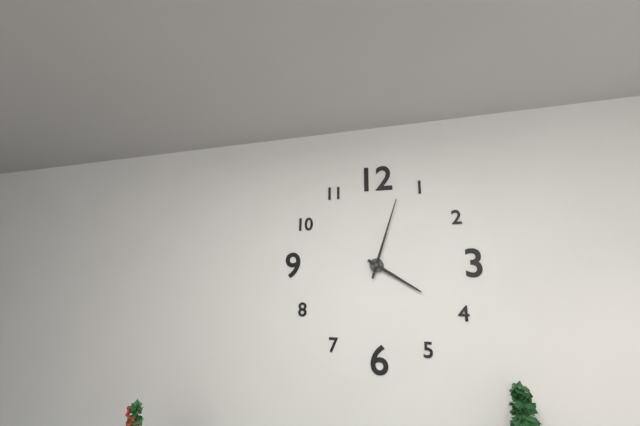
4:03
